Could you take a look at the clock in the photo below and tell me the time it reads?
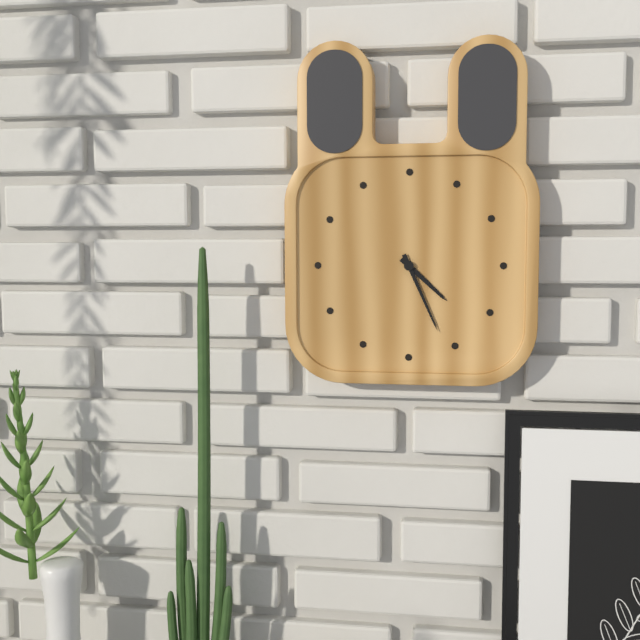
4:26
